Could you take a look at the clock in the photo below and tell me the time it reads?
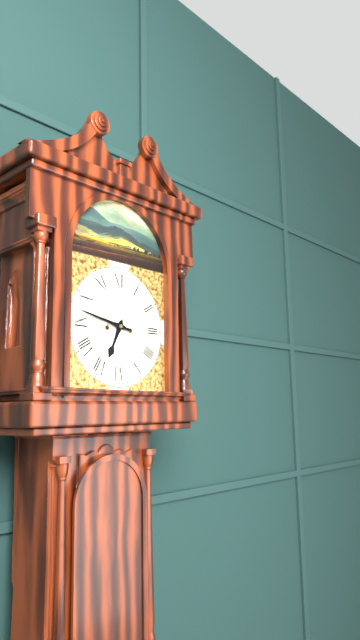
6:47
